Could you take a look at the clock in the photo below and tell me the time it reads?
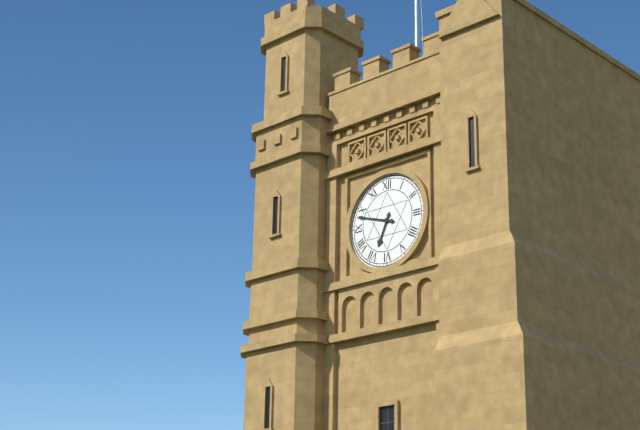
6:48
